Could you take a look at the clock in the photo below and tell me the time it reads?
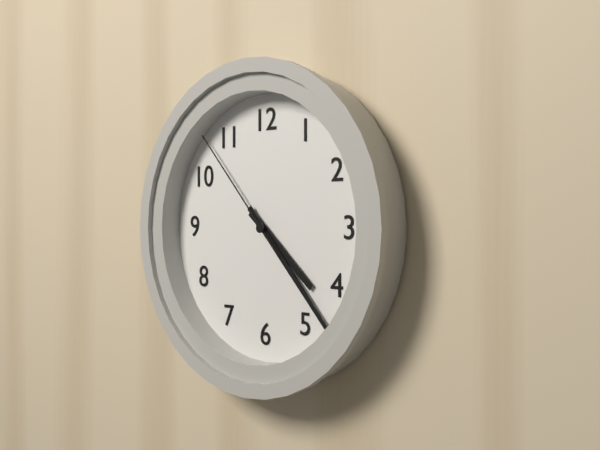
4:23:53
